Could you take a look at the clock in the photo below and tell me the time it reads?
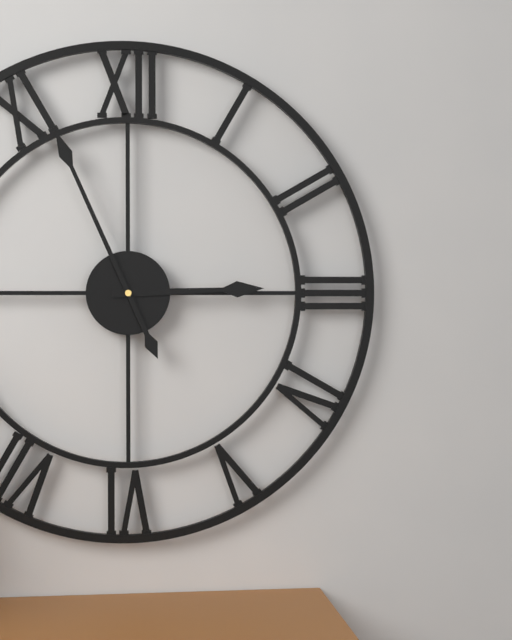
2:56
